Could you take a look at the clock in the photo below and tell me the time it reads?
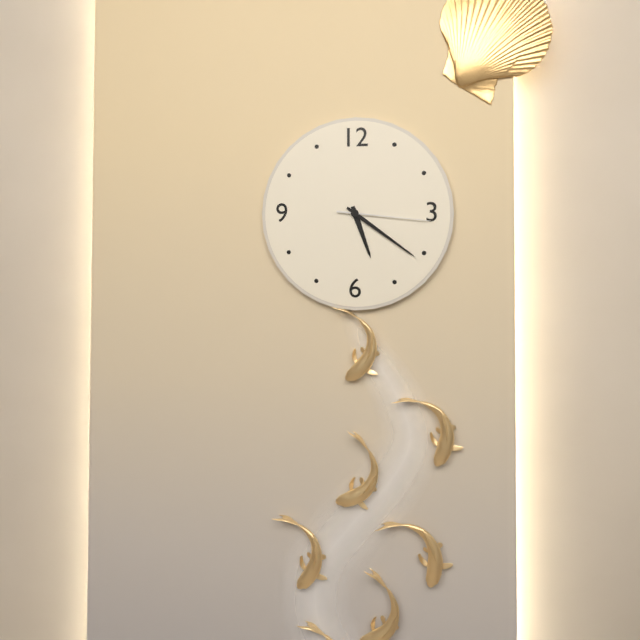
5:21:16
